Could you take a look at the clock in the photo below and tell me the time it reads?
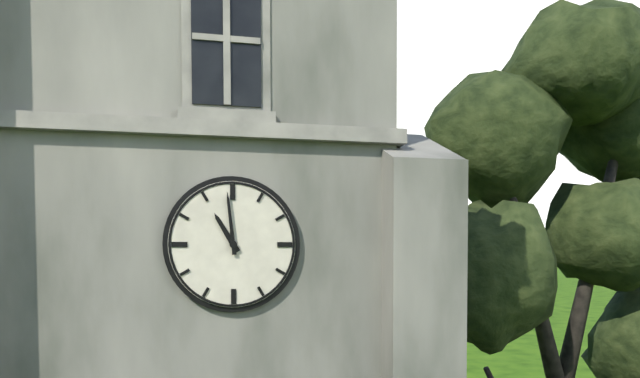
10:59
